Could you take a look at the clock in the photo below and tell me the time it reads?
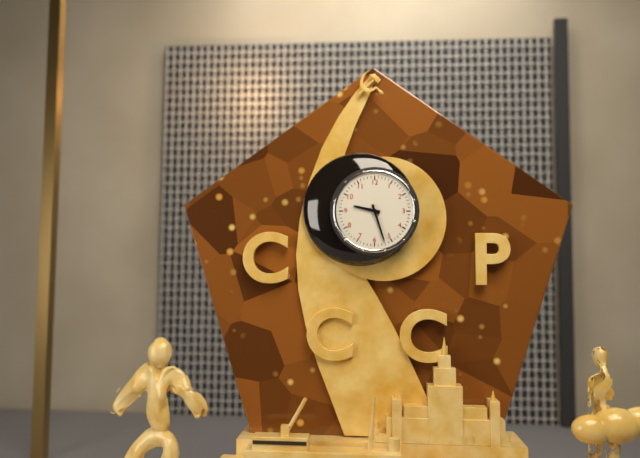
9:27
